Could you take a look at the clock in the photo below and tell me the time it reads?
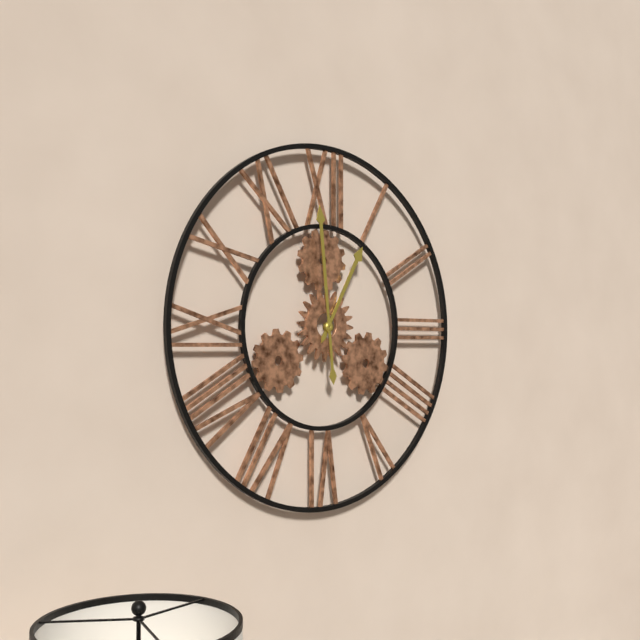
12:59
